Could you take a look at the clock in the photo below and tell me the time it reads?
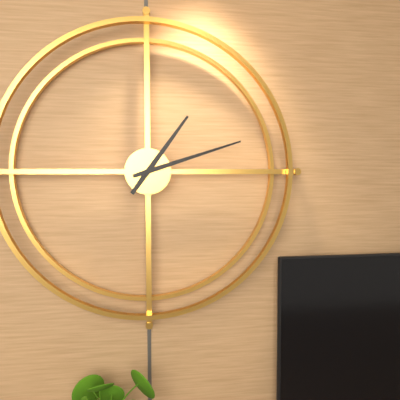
1:12
